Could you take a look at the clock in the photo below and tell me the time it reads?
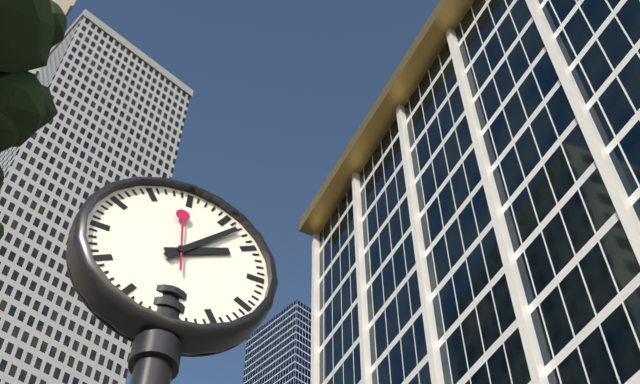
2:07:59
